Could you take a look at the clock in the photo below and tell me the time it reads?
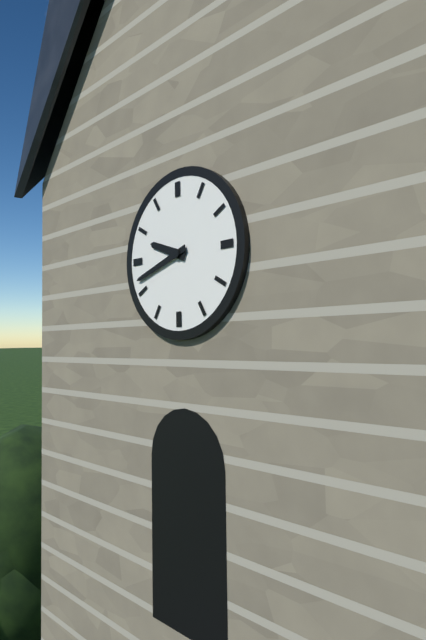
9:42
